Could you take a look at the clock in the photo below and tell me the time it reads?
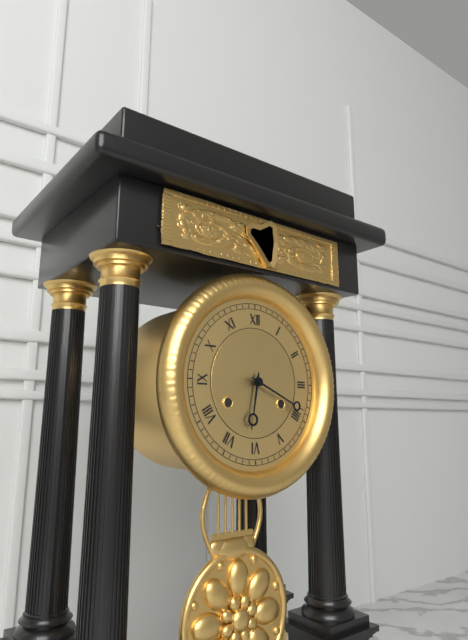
6:19
